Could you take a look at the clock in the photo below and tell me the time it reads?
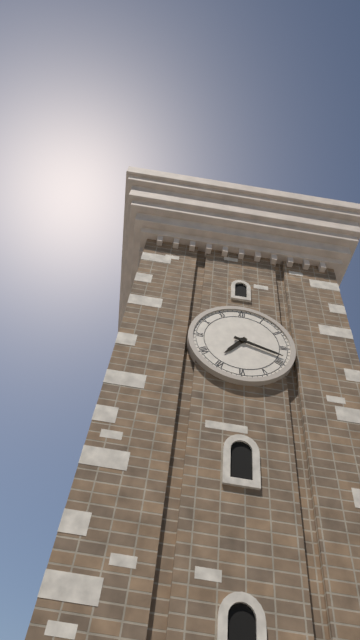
7:18
